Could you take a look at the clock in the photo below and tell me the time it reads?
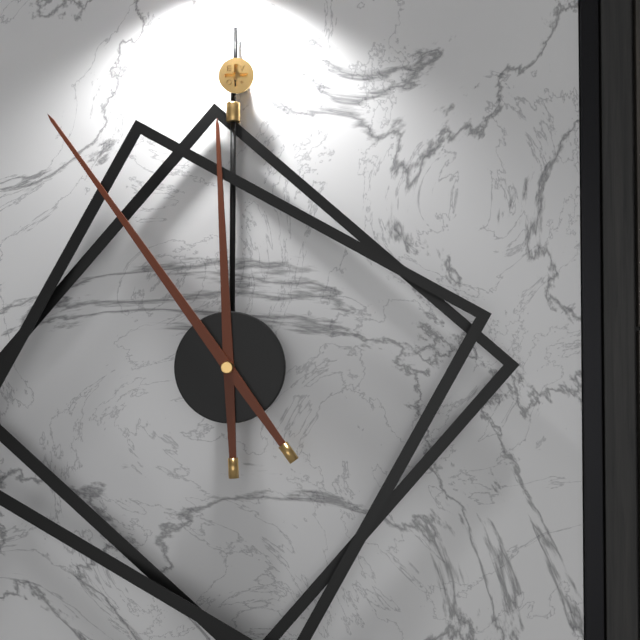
11:54
